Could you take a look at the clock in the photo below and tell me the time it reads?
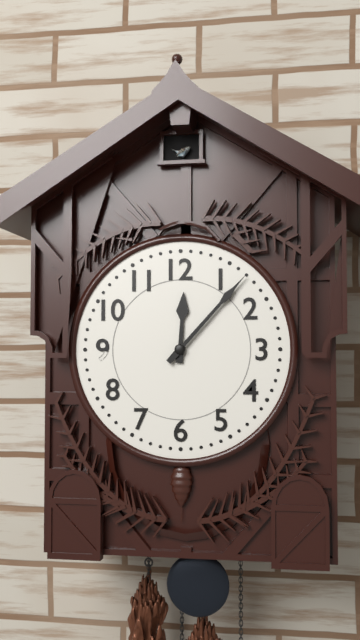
12:07
